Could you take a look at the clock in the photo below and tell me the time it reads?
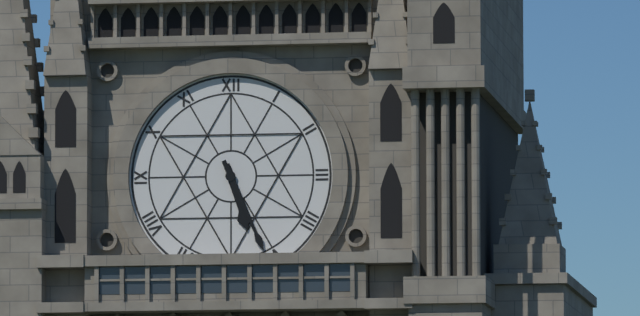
5:26
